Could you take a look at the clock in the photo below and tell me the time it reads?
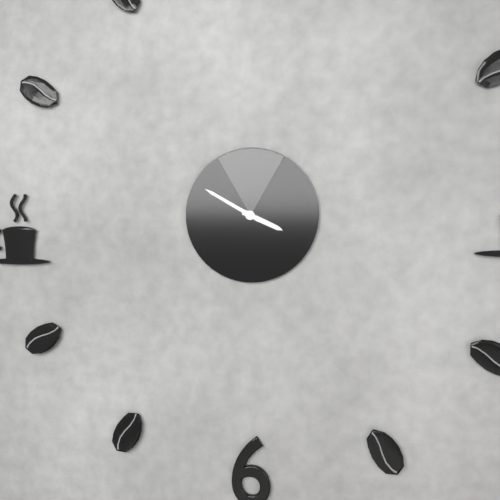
3:50
